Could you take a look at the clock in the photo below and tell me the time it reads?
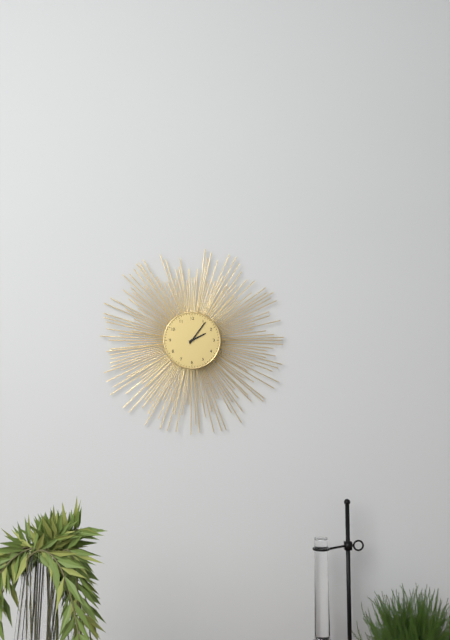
2:06
